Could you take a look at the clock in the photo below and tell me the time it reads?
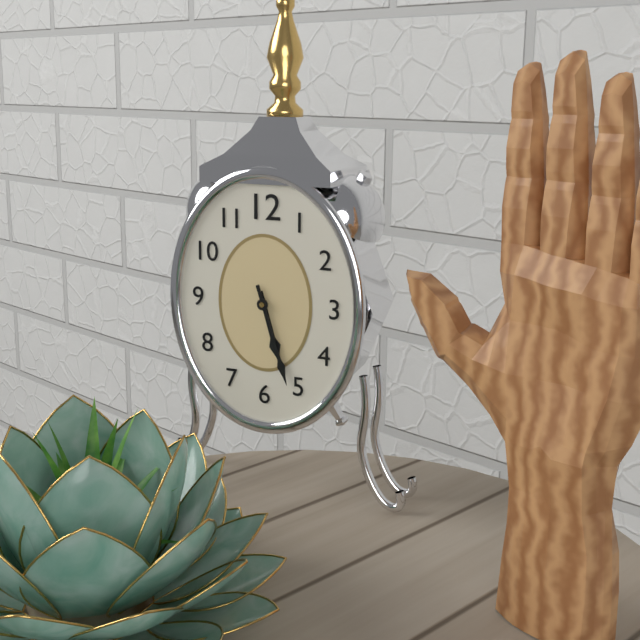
5:27
